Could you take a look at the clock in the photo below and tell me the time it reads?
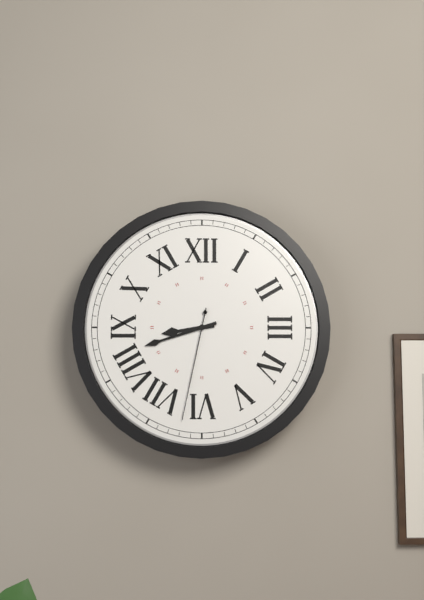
8:42:32
